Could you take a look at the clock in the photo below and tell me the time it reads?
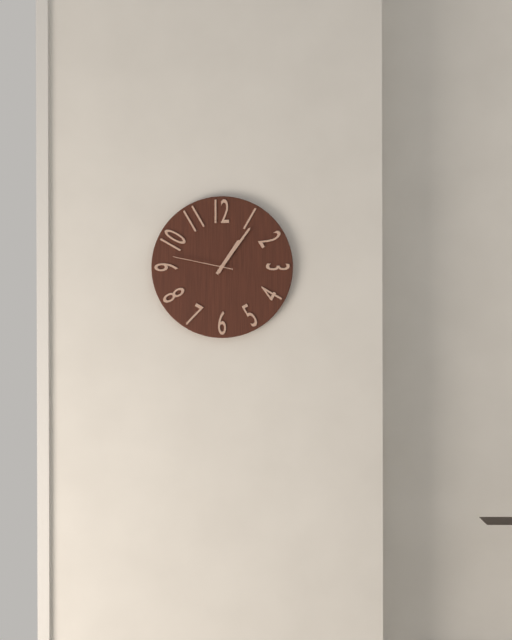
1:06:47
